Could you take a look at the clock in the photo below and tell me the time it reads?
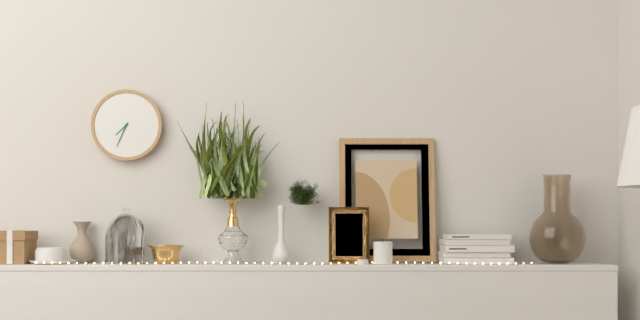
7:34
